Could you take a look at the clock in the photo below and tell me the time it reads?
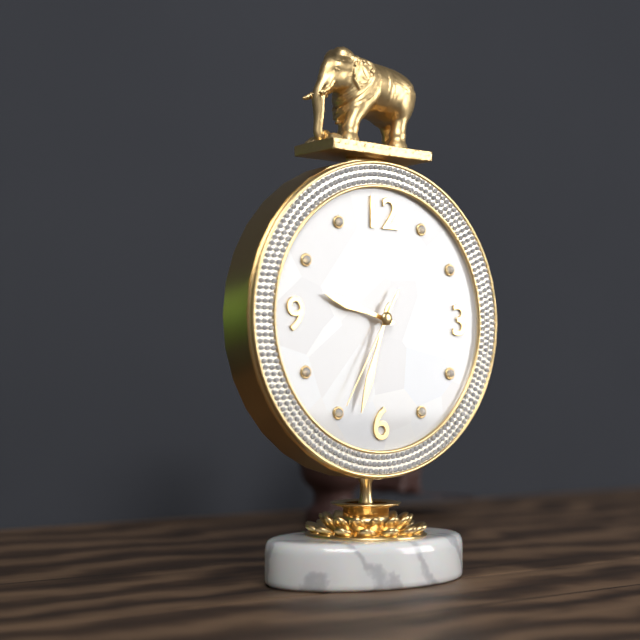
9:33:35
